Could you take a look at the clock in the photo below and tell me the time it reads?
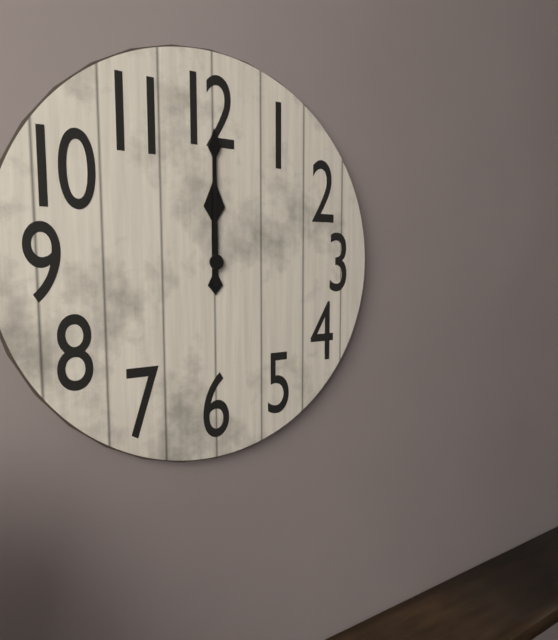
12:00
